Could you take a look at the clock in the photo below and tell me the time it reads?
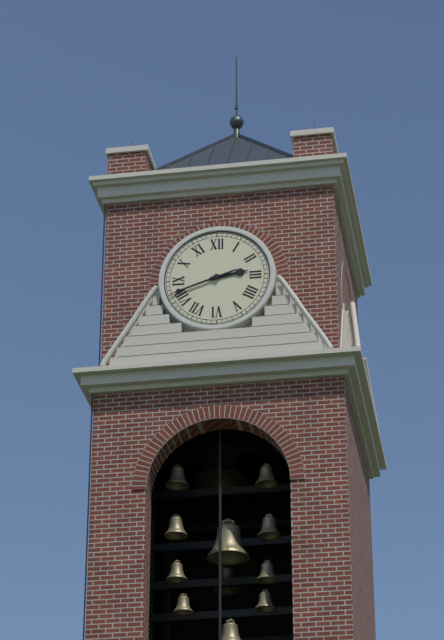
2:42
